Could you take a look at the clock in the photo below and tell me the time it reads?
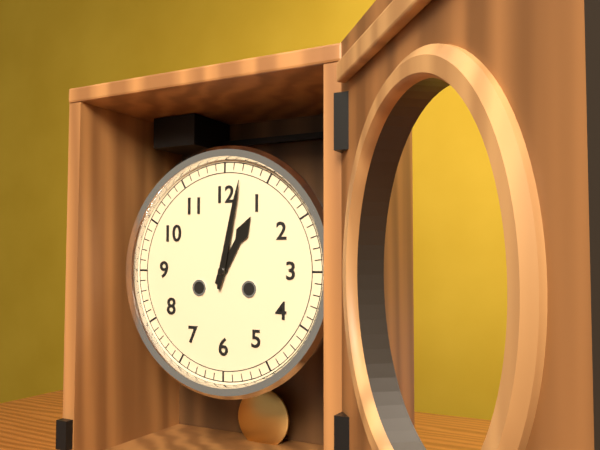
1:02
